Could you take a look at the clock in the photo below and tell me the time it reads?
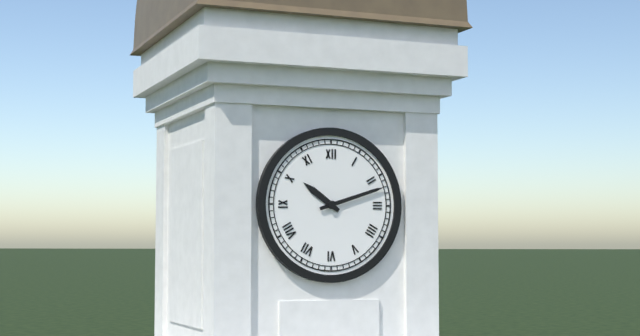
10:12
